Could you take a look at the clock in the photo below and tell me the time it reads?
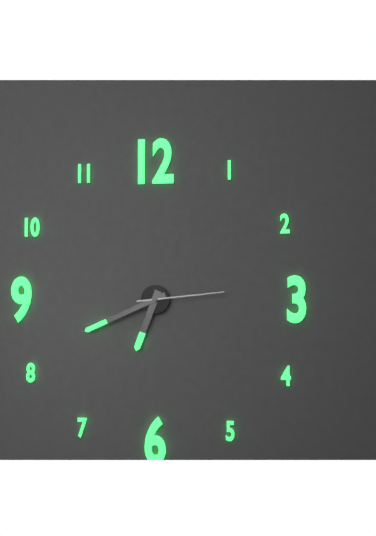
6:41:14
